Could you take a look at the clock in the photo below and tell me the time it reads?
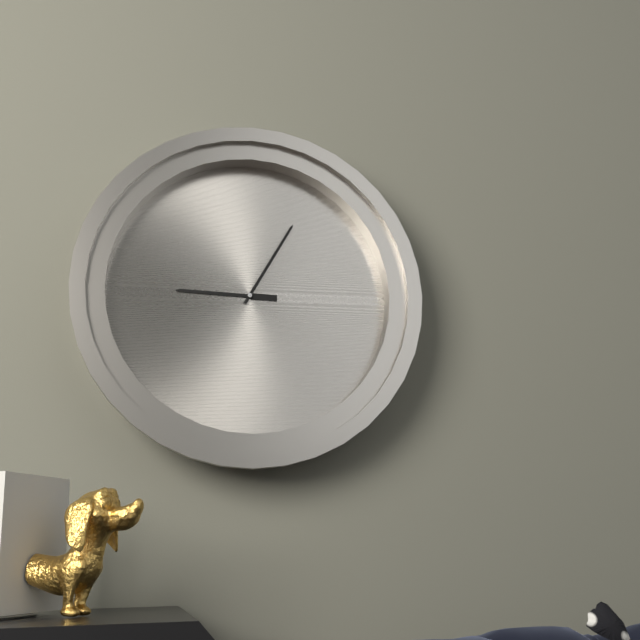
9:05
